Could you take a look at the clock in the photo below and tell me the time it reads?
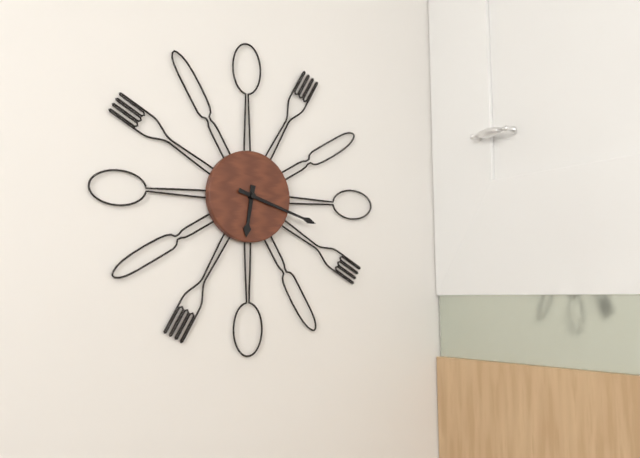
6:18
